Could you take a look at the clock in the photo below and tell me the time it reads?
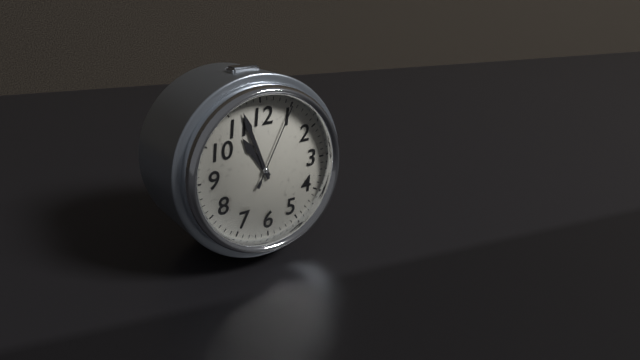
10:57:05
